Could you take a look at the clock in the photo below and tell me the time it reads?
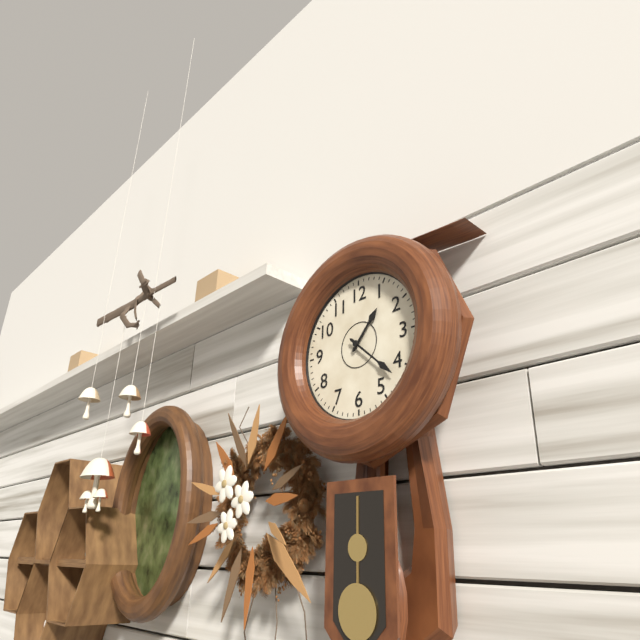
1:22
